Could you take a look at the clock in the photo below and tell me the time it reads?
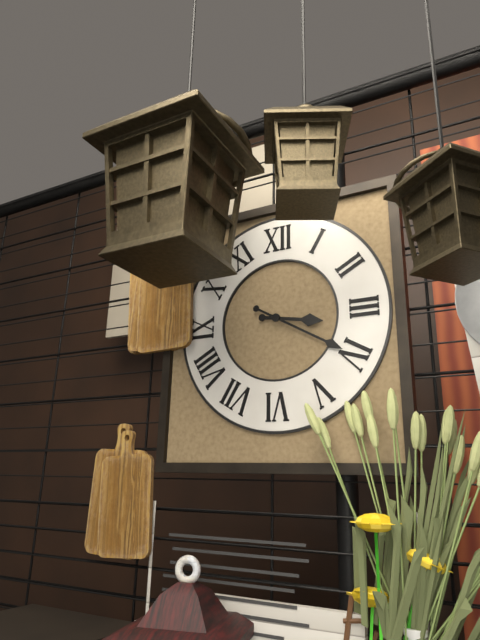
3:20
